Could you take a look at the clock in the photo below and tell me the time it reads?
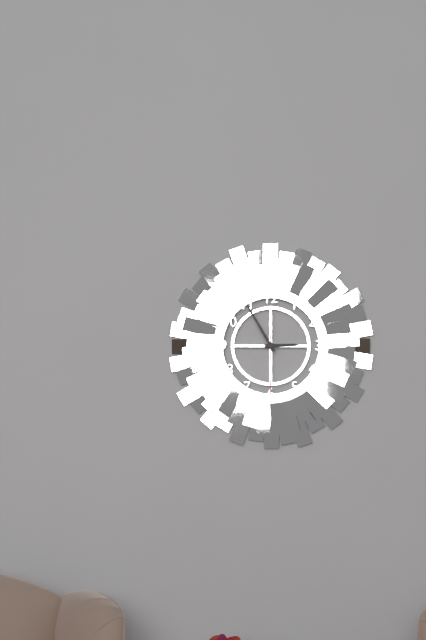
2:55:30
